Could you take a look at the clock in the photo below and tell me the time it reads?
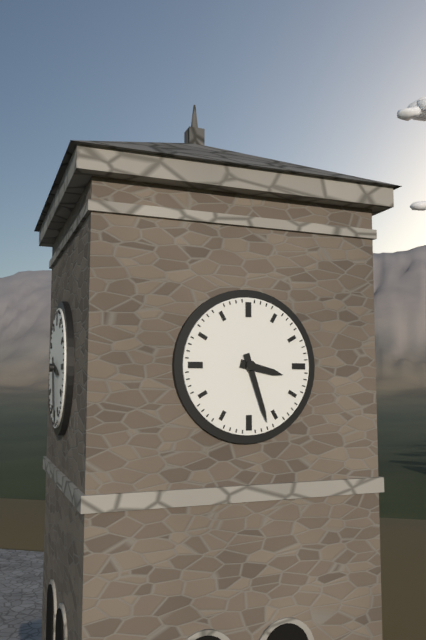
3:27
